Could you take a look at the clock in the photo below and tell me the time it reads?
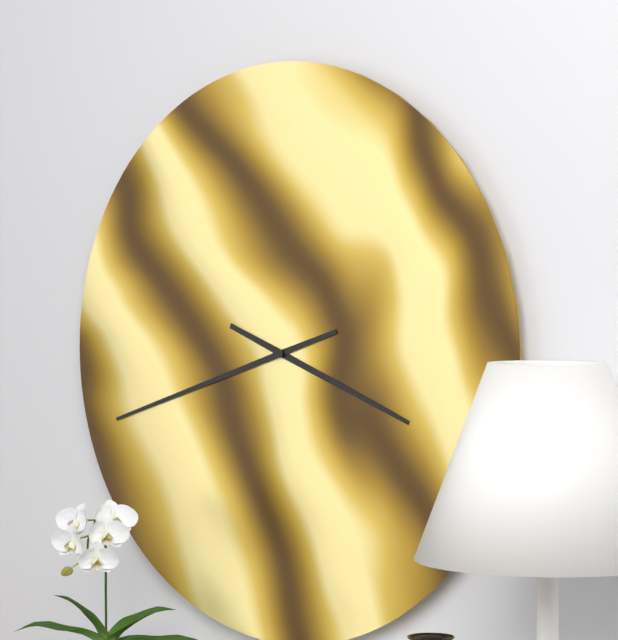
3:42
